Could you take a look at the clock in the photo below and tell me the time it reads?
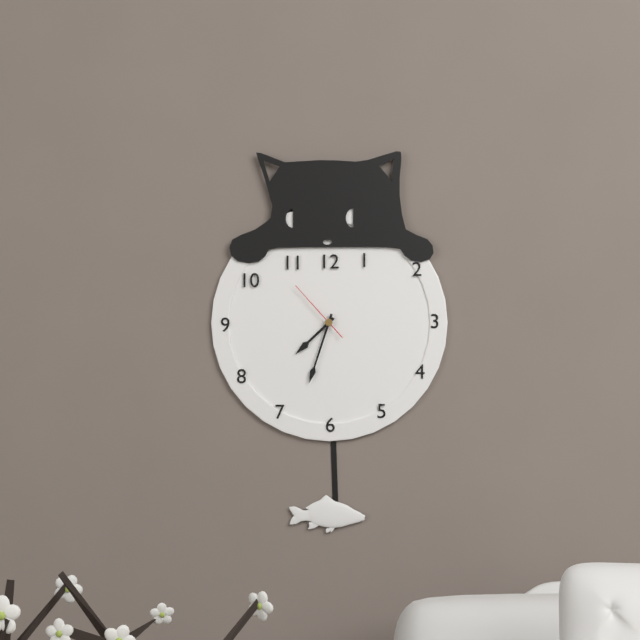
7:33:53
